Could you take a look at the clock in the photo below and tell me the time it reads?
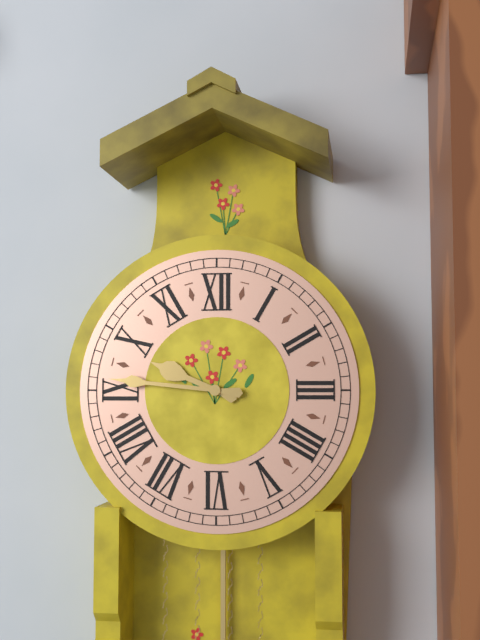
9:46
